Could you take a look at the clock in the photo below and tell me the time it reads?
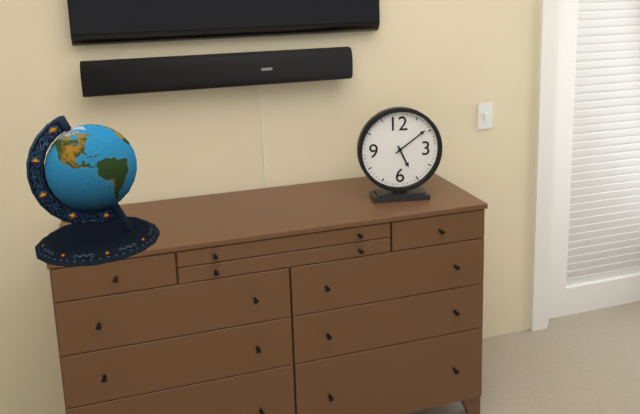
5:09
